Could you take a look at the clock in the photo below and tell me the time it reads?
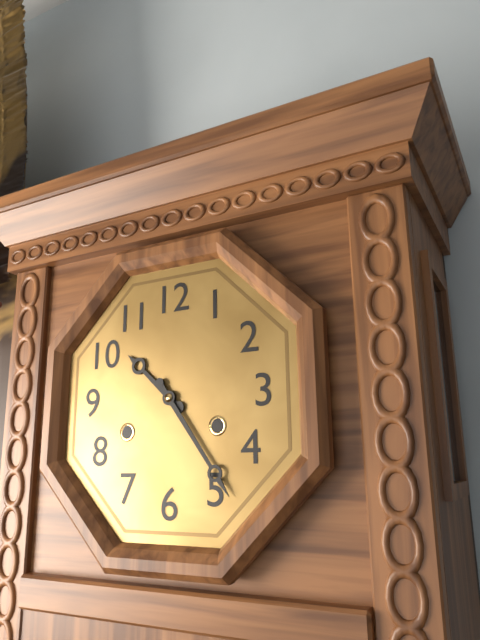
10:24
